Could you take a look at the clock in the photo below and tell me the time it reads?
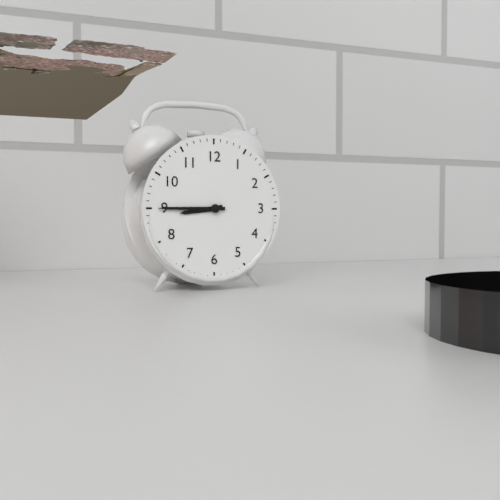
8:45
